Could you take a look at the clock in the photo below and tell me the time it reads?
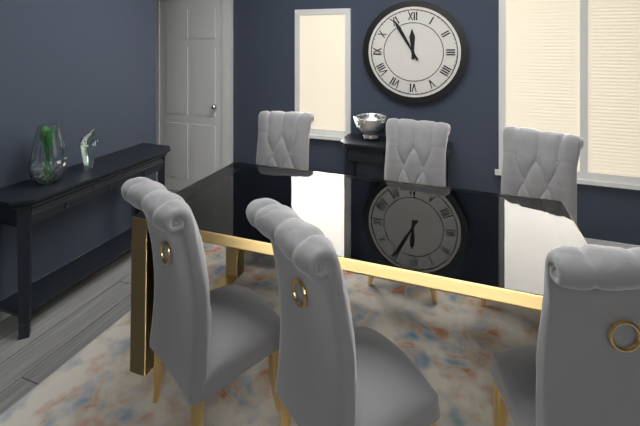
11:55
